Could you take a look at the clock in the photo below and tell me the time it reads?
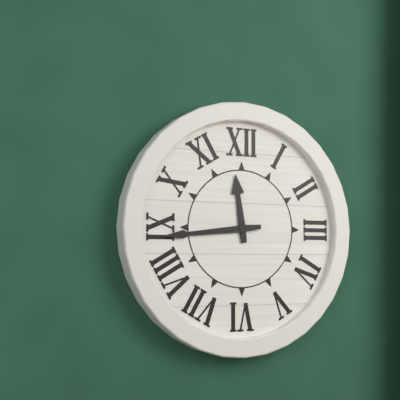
11:44
